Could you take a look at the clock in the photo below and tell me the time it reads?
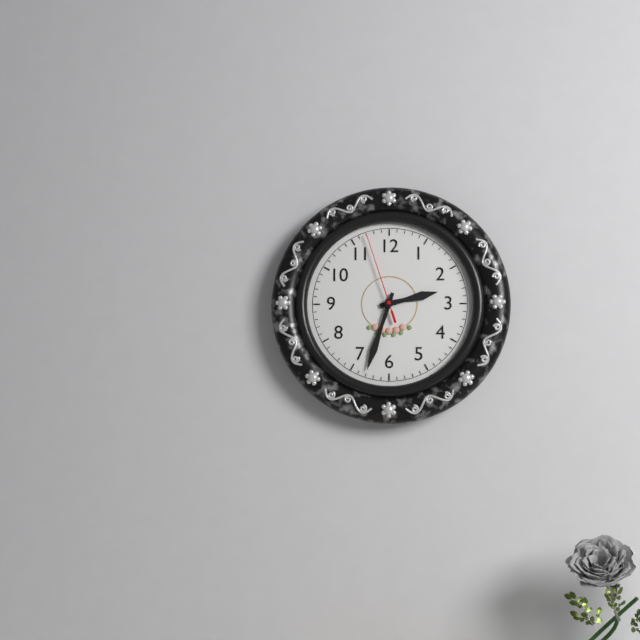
2:33:57
